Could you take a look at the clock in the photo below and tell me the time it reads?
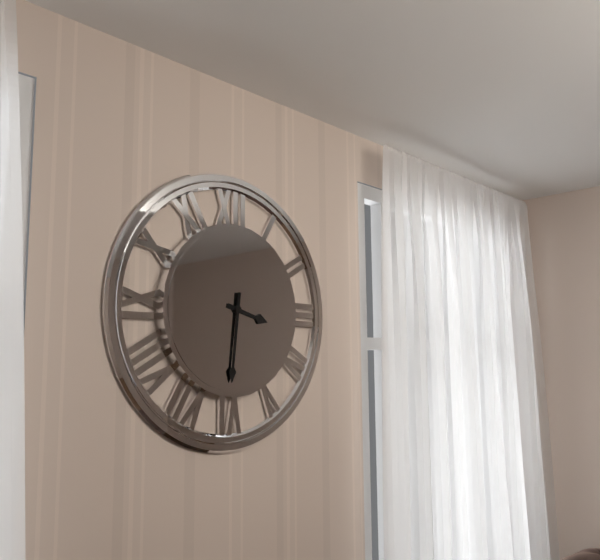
3:31
